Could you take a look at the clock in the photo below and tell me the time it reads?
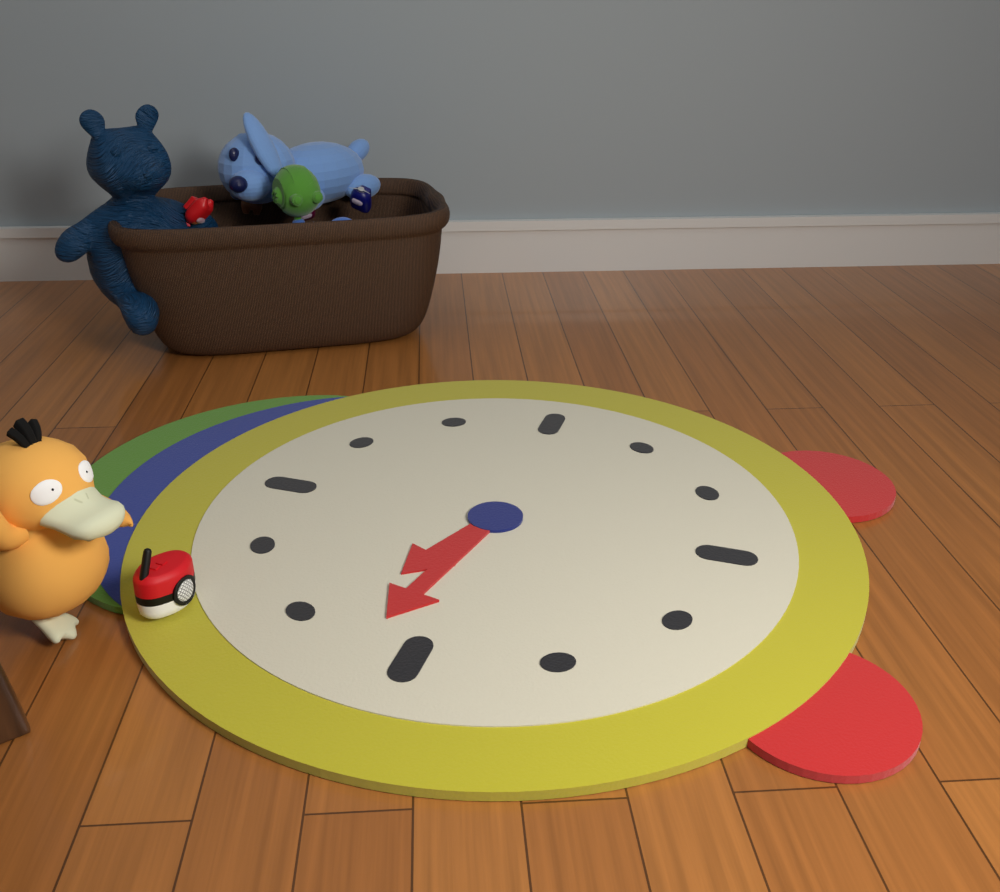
9:47
